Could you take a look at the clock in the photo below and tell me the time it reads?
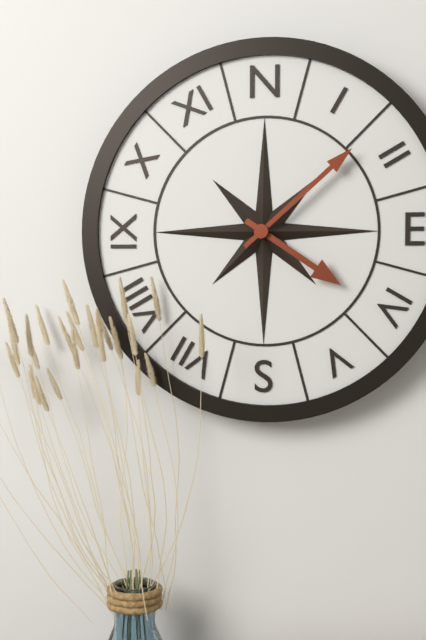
4:08
